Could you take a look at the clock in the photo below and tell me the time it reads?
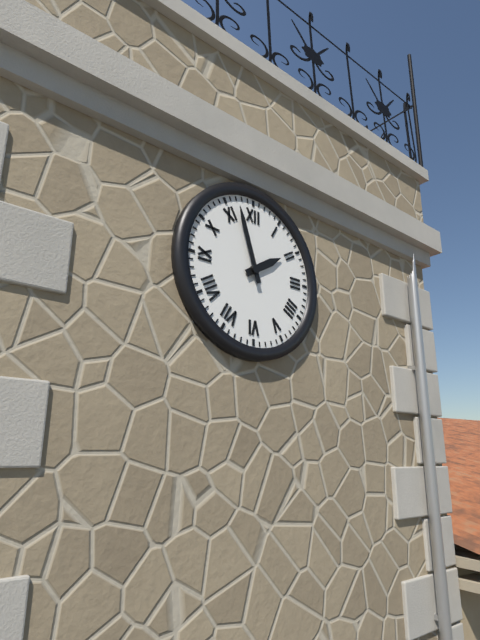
1:57
